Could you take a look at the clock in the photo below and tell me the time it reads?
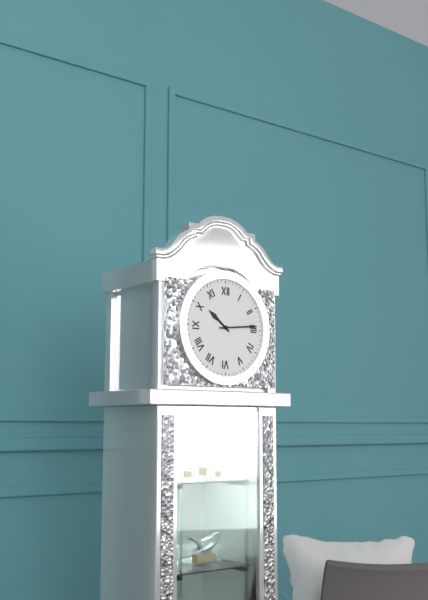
10:14
